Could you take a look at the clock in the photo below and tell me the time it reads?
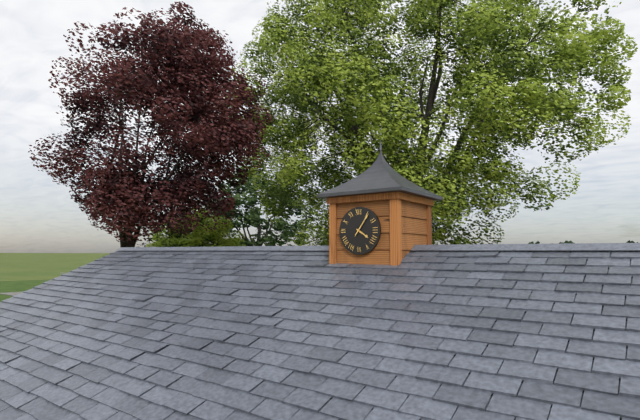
4:06
